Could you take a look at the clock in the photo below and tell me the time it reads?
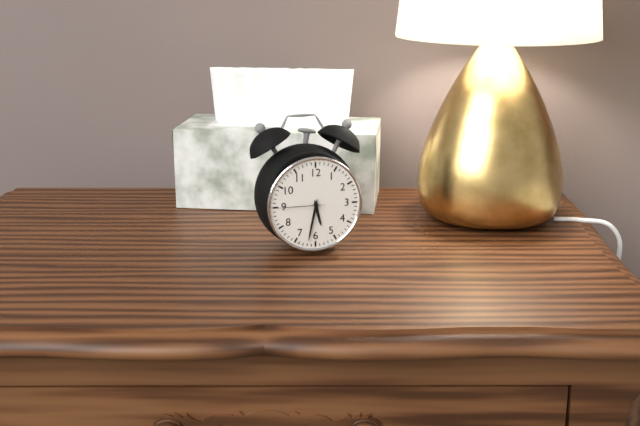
5:32:45
